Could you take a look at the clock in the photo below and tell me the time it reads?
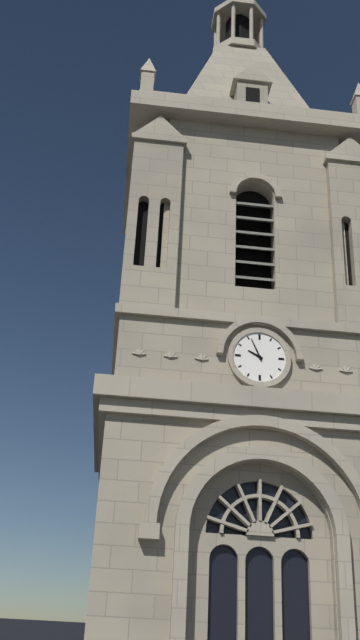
9:56
